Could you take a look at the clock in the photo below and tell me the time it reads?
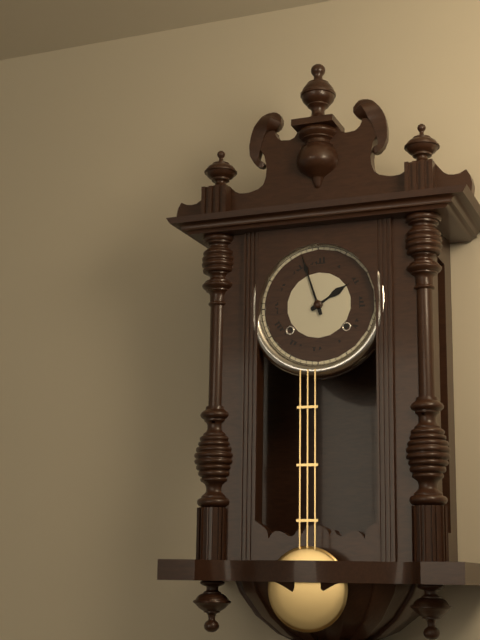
1:57
